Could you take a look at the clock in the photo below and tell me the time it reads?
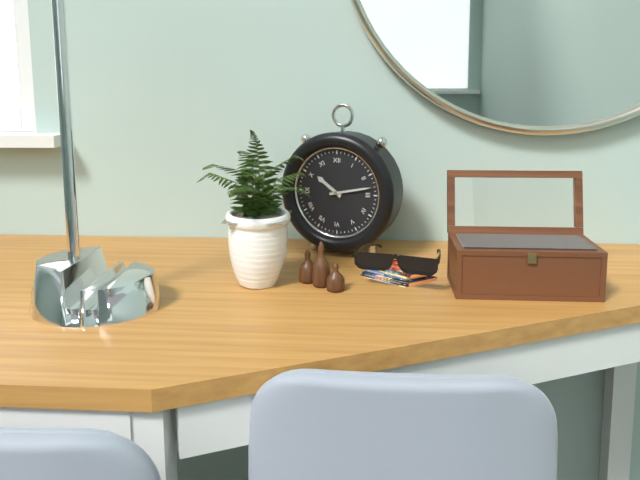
10:13
